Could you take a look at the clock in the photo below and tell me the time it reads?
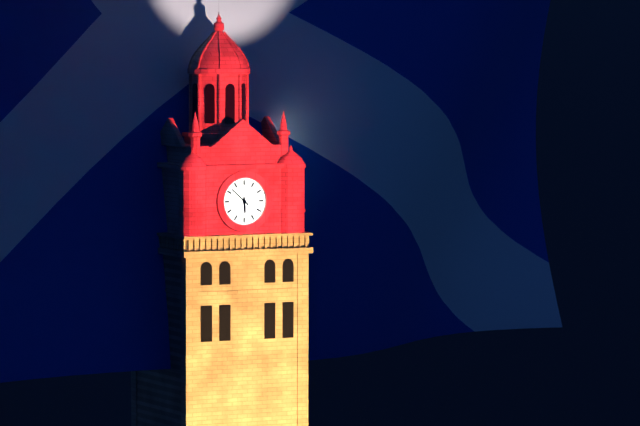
5:52
